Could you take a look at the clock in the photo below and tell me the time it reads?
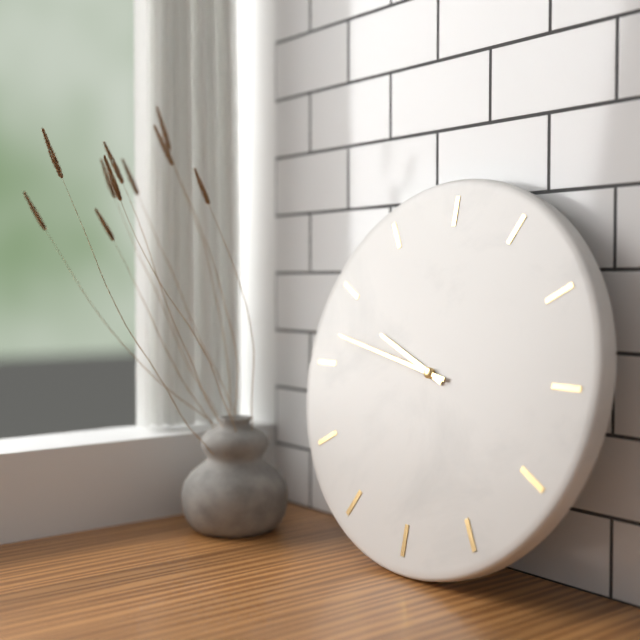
9:47
